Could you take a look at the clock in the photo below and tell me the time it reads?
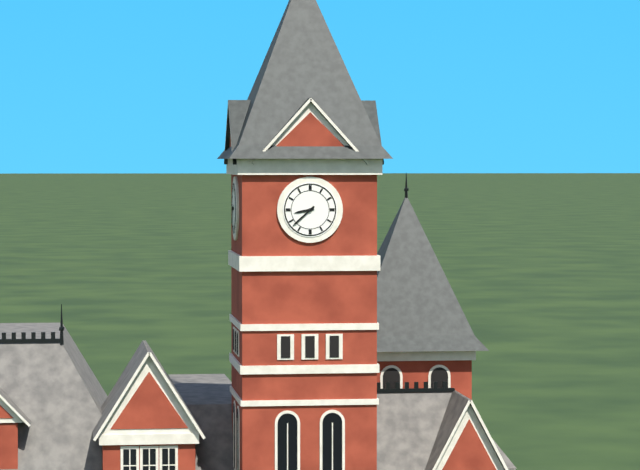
8:38
